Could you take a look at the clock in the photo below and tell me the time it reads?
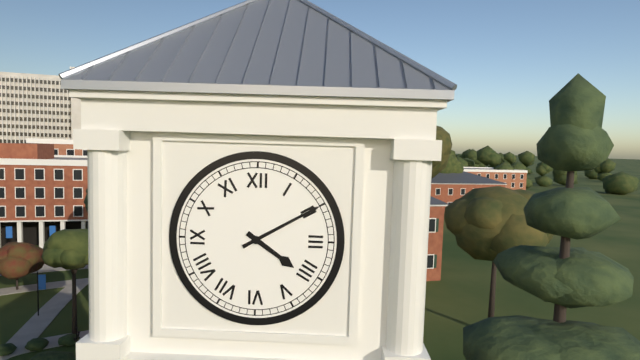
4:10
